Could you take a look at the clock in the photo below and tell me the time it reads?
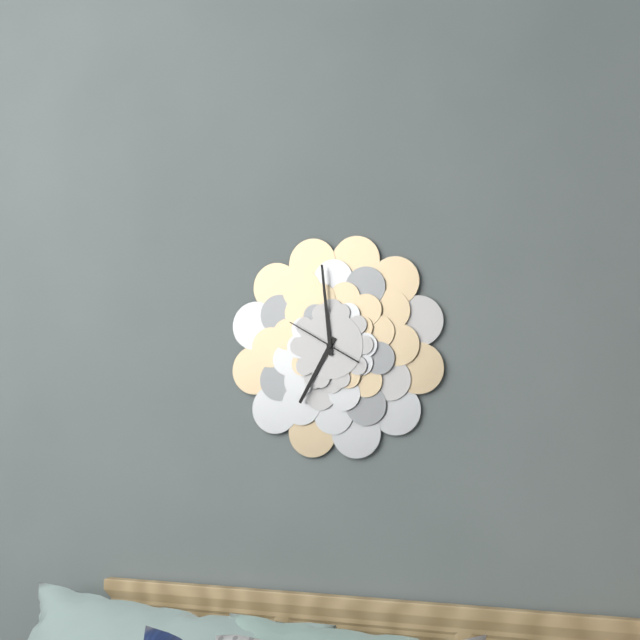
6:59:50
